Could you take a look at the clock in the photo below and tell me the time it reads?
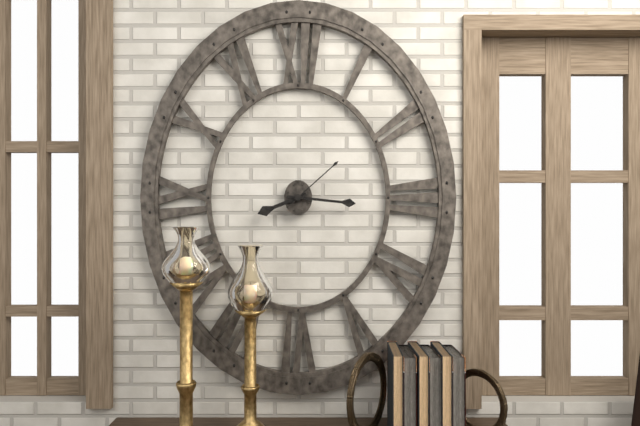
8:16:08
